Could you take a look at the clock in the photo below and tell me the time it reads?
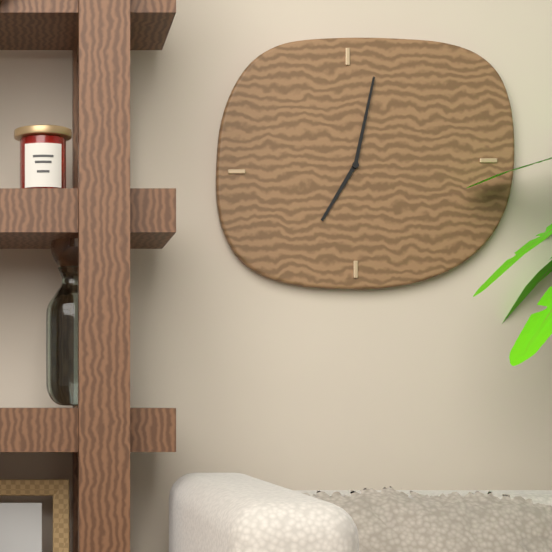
7:02
